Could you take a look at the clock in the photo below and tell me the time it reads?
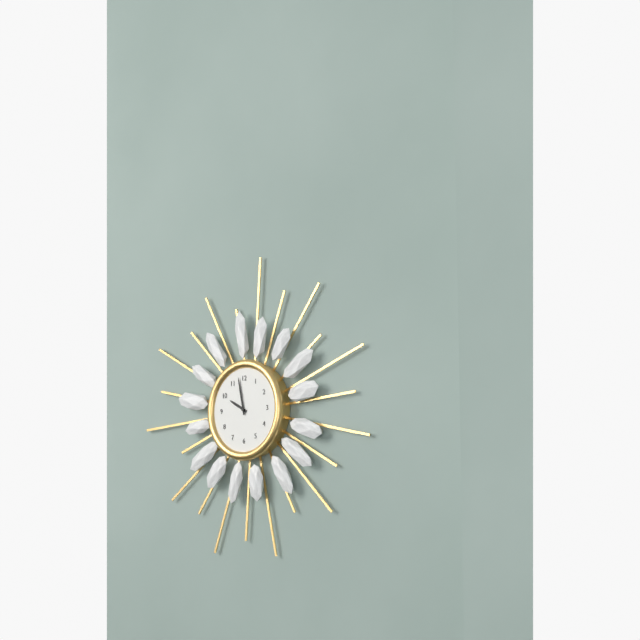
9:58
